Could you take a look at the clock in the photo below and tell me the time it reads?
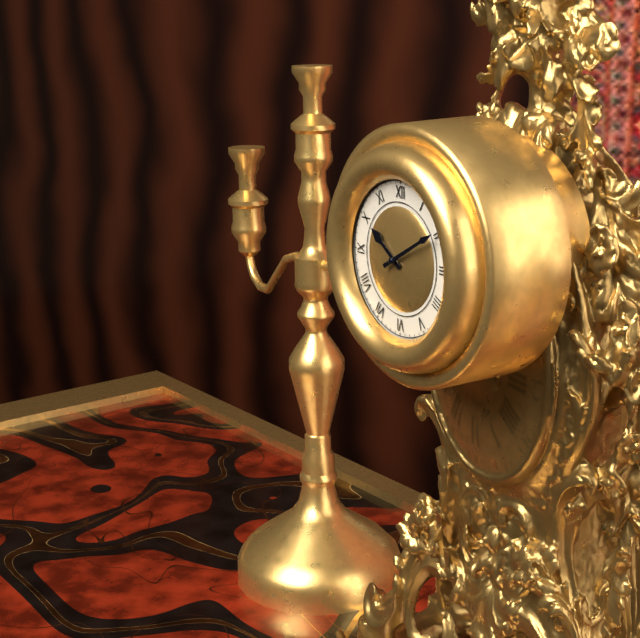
10:10
